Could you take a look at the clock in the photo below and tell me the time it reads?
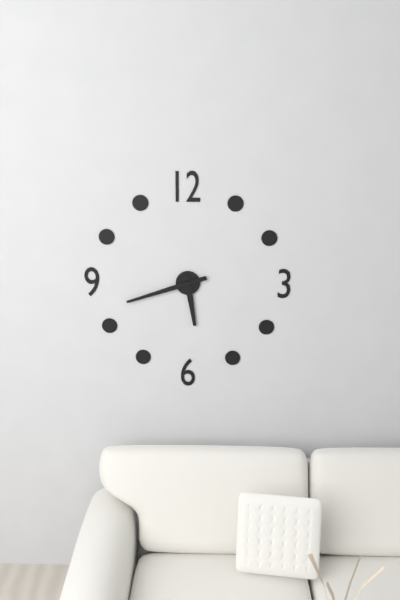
5:42
